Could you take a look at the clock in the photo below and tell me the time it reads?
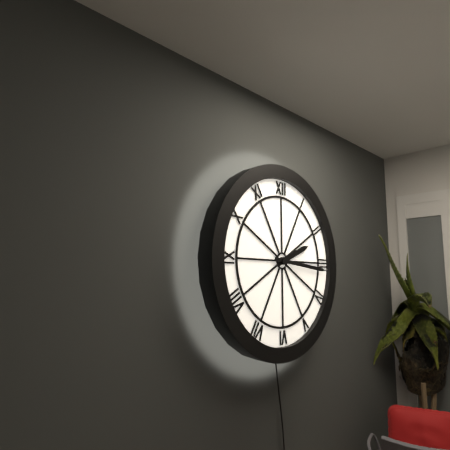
2:16
